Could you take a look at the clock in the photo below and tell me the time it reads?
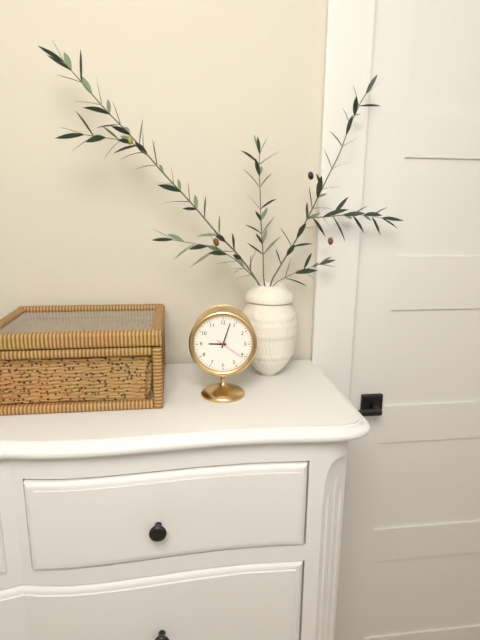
9:03
